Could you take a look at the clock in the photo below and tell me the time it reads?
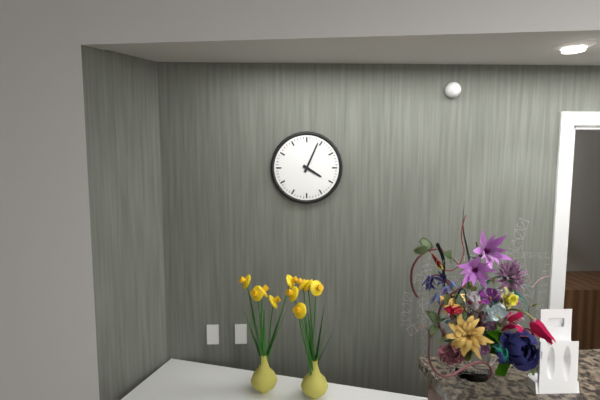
4:04
